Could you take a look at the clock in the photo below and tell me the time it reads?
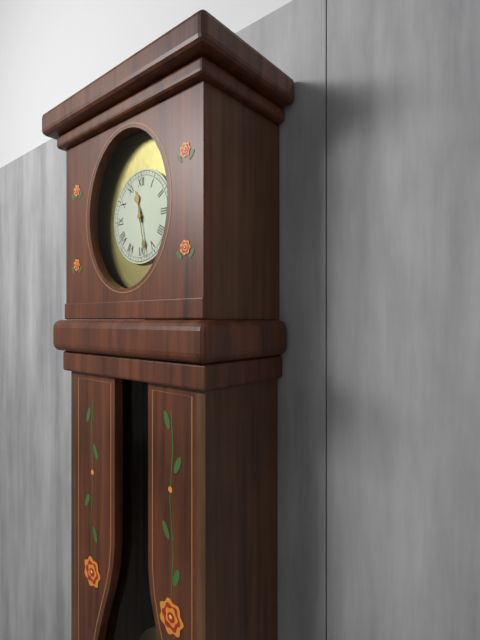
11:28
